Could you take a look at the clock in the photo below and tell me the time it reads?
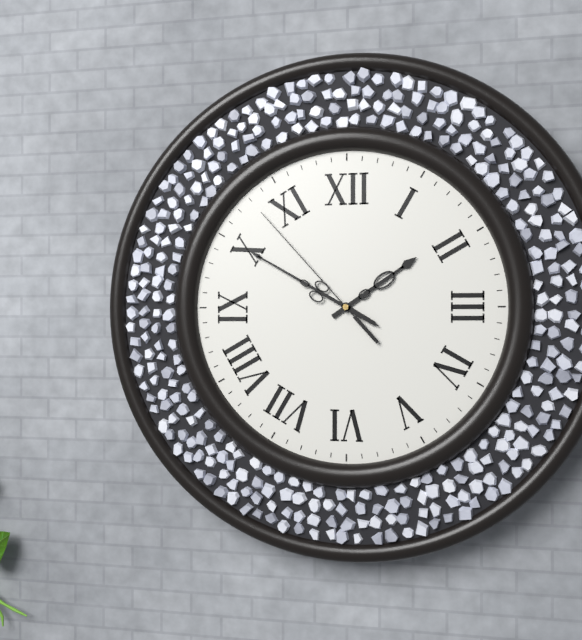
1:50:53
